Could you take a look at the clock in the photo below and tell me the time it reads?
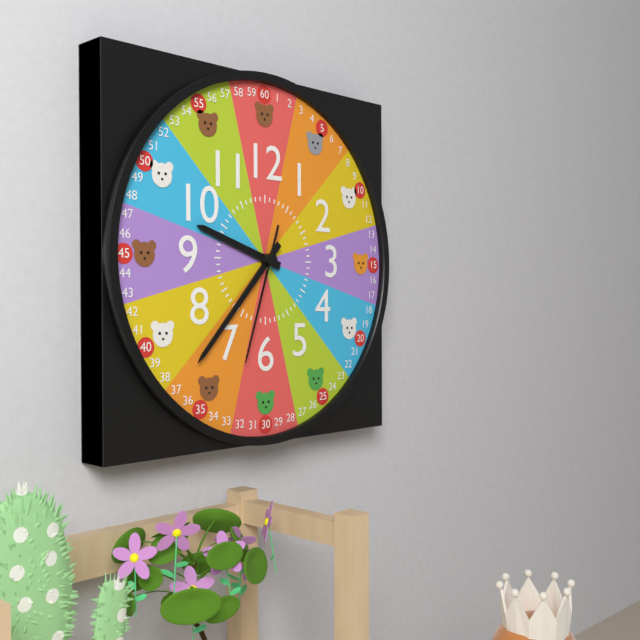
9:37:33
